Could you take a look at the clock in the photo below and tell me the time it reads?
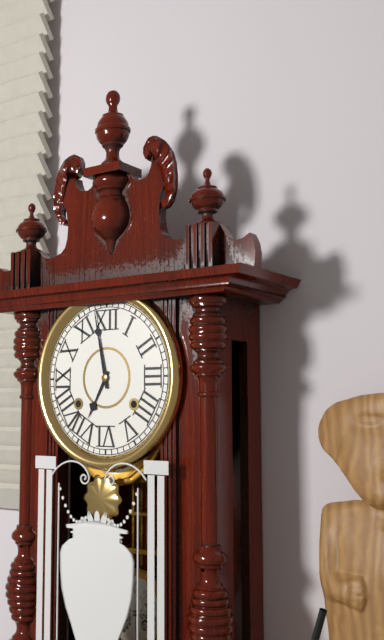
6:58
